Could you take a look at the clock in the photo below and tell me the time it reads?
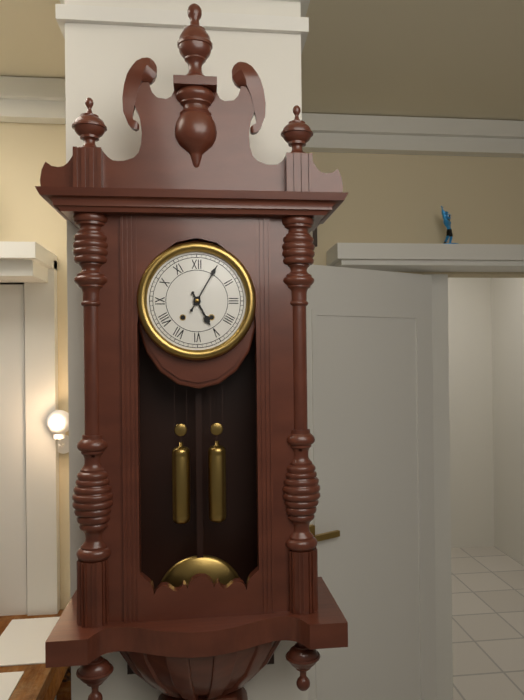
5:05
